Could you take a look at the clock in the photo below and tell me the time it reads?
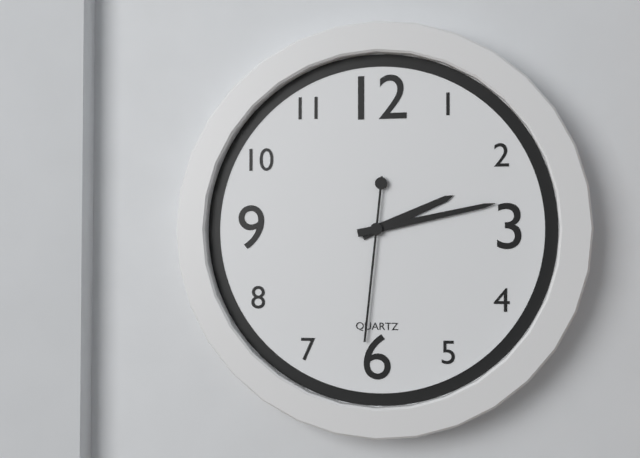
2:13:31
